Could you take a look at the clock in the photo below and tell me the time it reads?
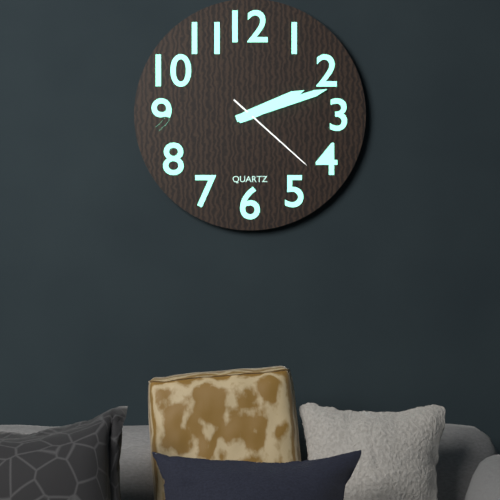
2:12:22
